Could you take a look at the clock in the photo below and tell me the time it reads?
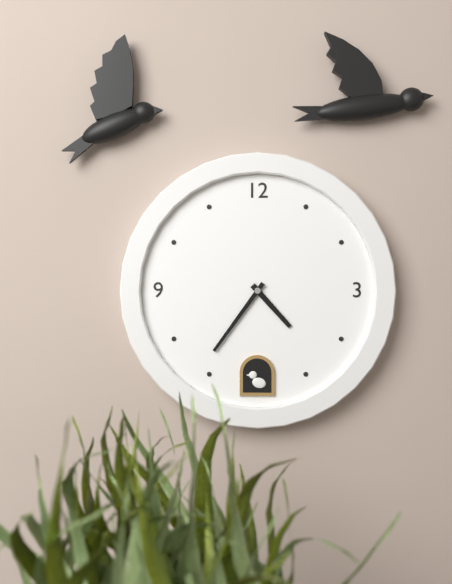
4:36
